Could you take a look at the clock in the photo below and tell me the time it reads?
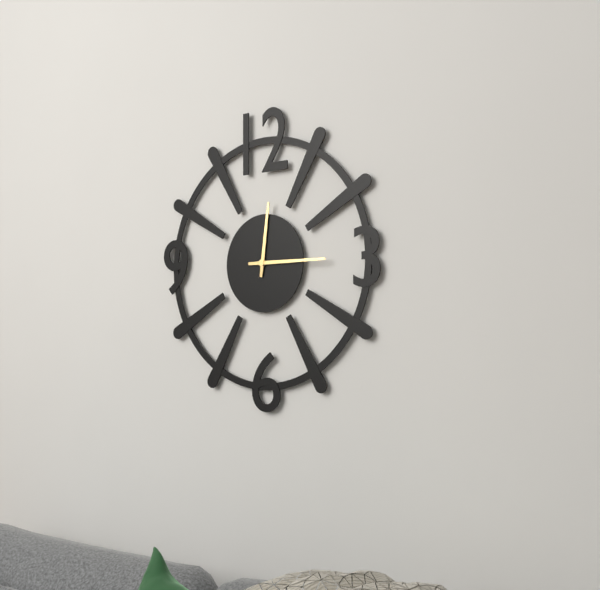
12:15
